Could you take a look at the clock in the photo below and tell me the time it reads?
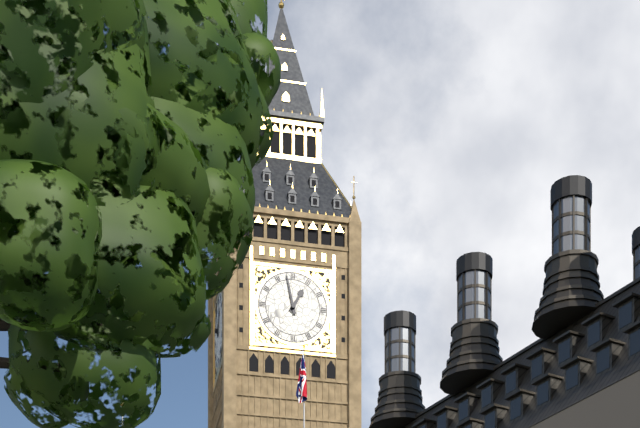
12:58
